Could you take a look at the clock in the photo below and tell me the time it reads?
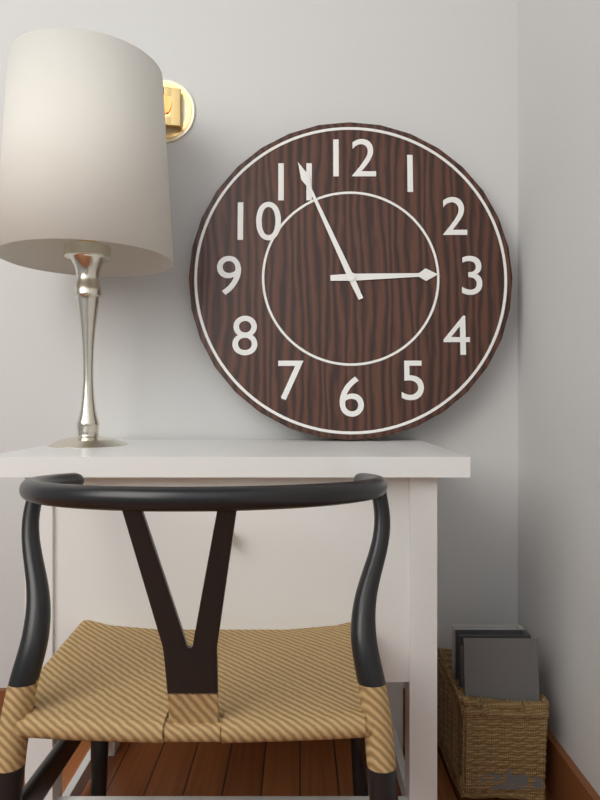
2:56
